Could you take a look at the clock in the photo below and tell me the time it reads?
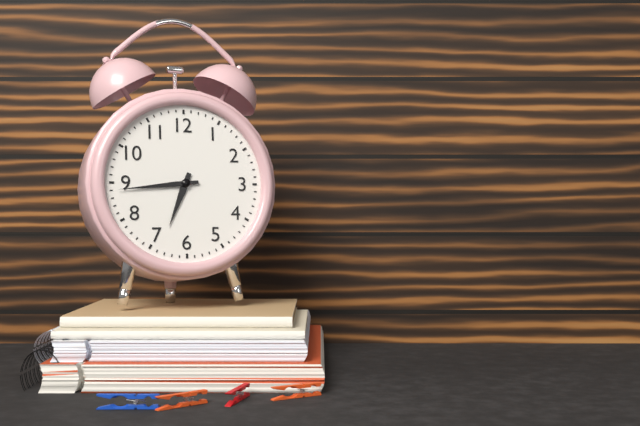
6:44
